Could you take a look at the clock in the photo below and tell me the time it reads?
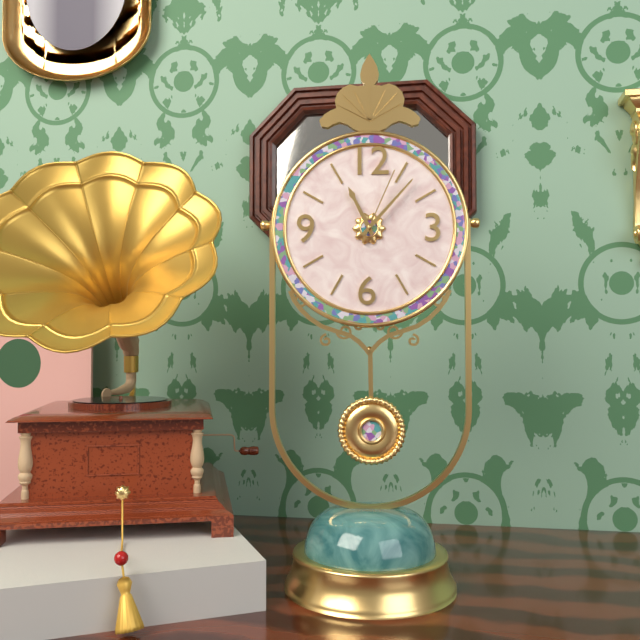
11:07:04
